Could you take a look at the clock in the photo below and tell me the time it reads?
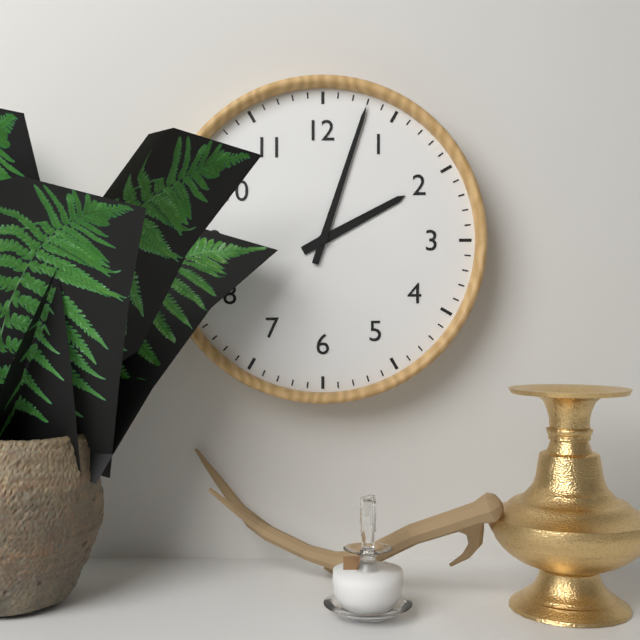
2:03
